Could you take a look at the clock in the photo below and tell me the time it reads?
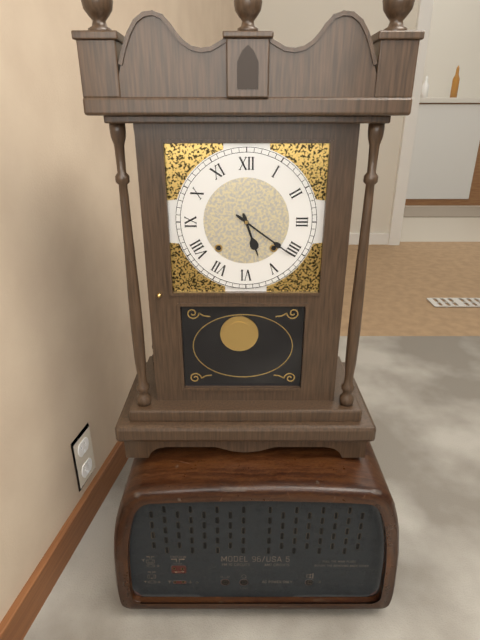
5:21
